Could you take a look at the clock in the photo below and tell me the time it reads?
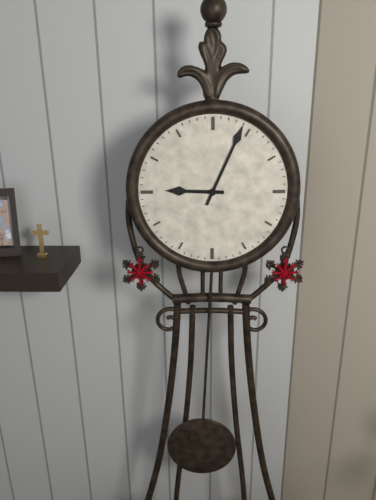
9:04
